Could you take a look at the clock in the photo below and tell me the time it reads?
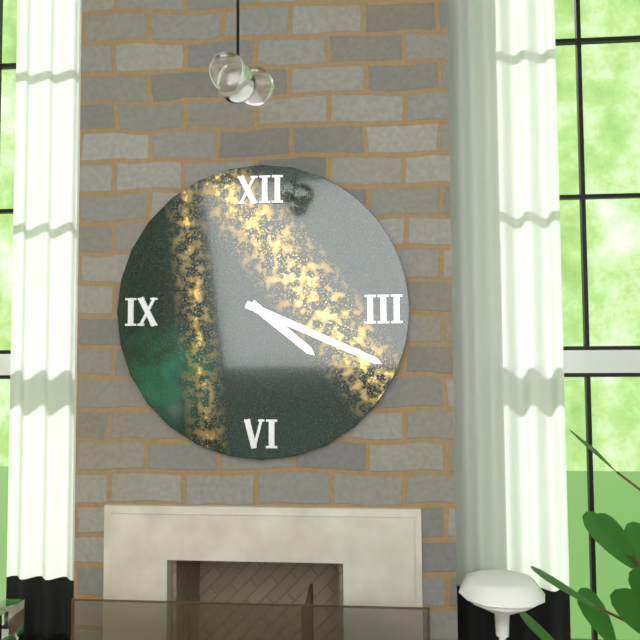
4:19
